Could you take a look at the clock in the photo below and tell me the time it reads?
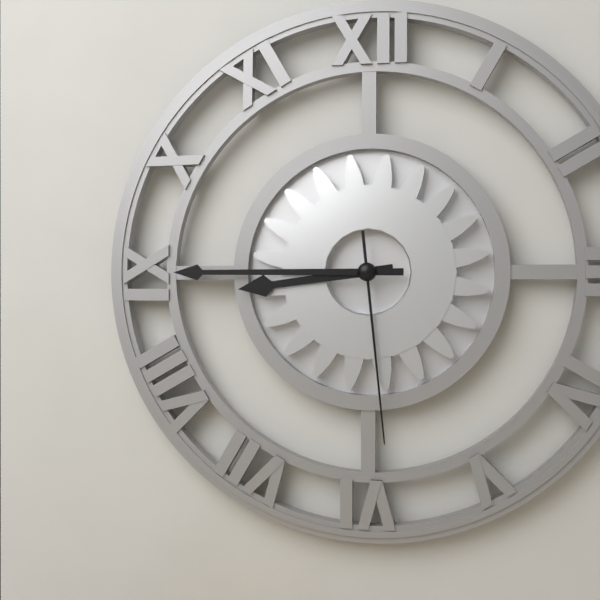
8:45:29
